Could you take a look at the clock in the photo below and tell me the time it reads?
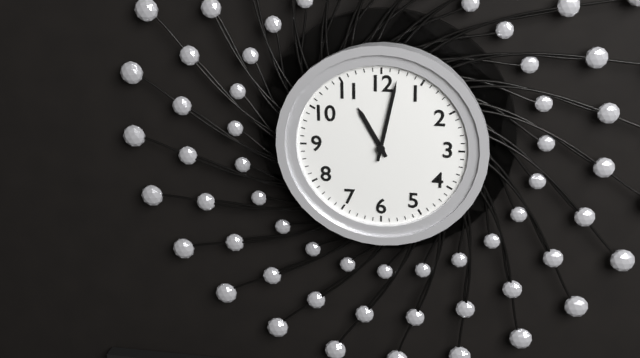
11:02
